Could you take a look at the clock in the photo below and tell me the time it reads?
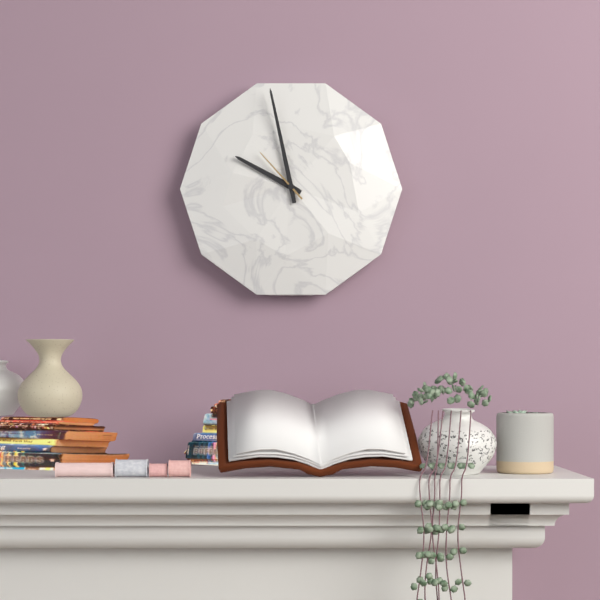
9:58:53
